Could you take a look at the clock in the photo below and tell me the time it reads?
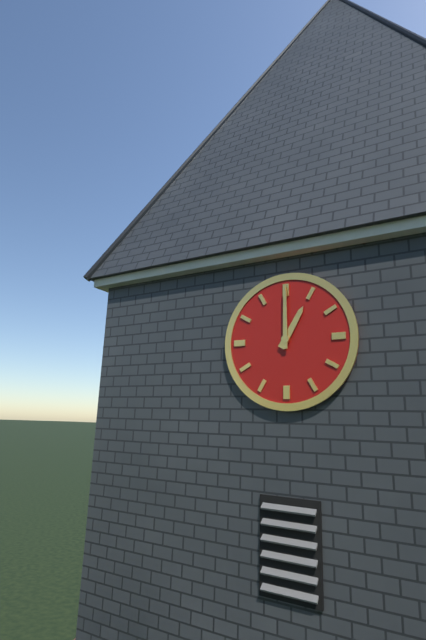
1:00
